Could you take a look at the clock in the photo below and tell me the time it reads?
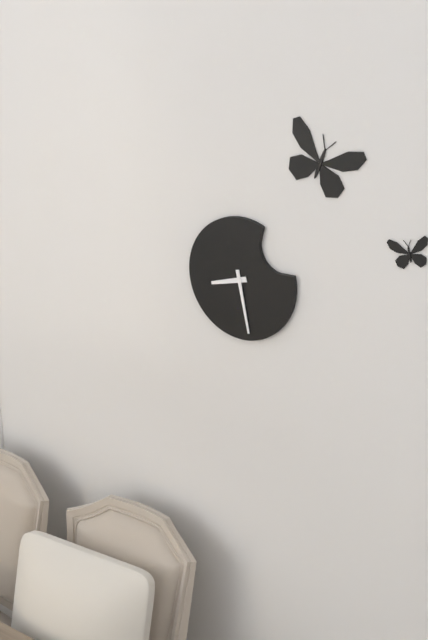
8:28
